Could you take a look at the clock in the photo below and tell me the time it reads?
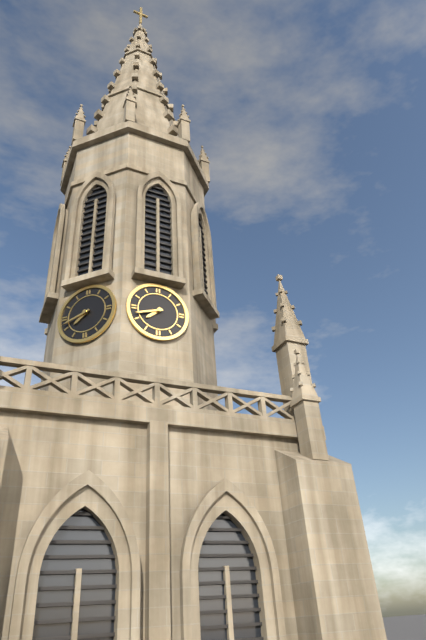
7:42
